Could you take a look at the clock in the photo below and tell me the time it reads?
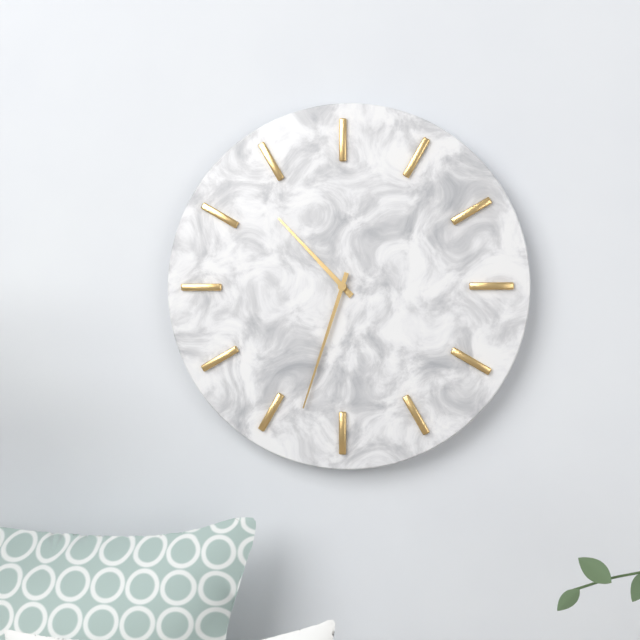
10:33
